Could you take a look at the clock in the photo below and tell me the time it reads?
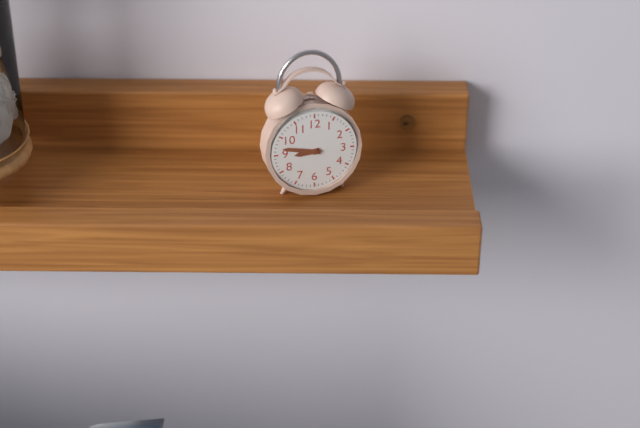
8:47
